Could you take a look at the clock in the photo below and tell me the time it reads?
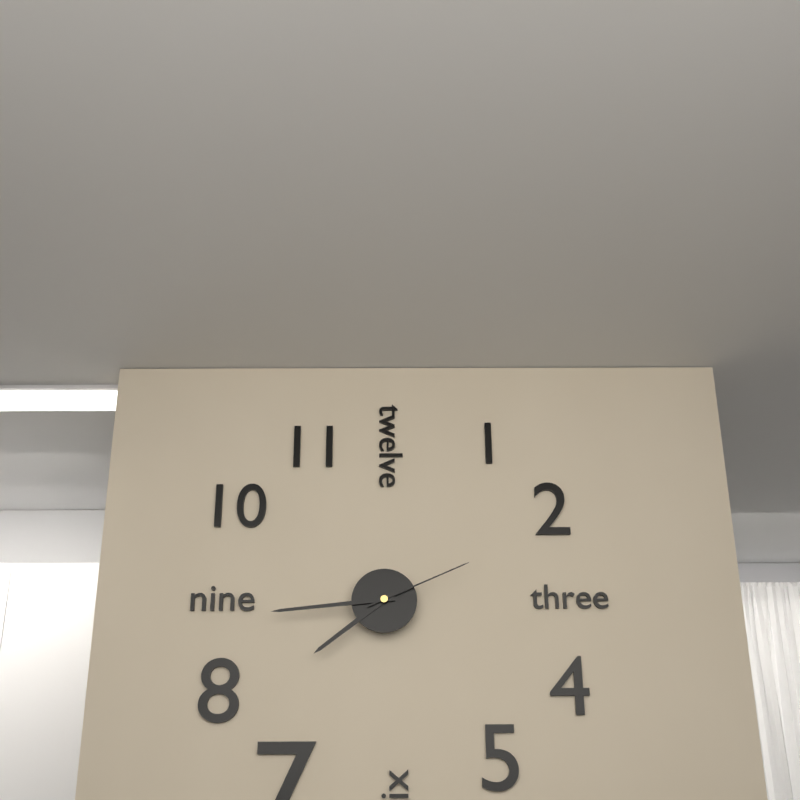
7:44:11
